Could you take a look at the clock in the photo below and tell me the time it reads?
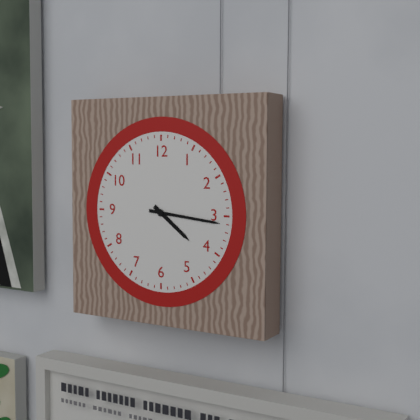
4:16
